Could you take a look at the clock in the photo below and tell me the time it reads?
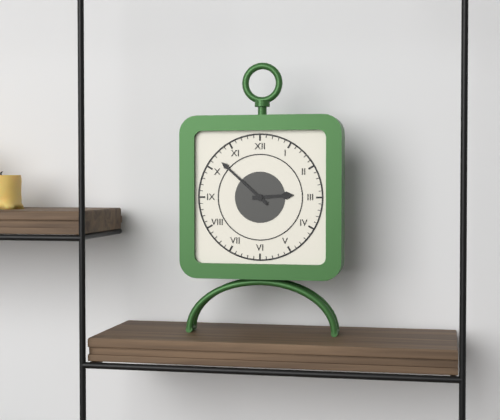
2:52
